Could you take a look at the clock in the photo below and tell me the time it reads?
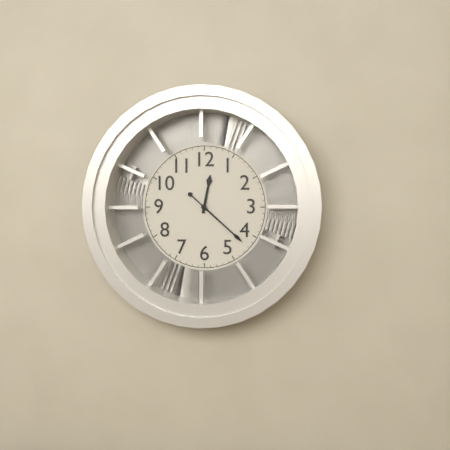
12:22
